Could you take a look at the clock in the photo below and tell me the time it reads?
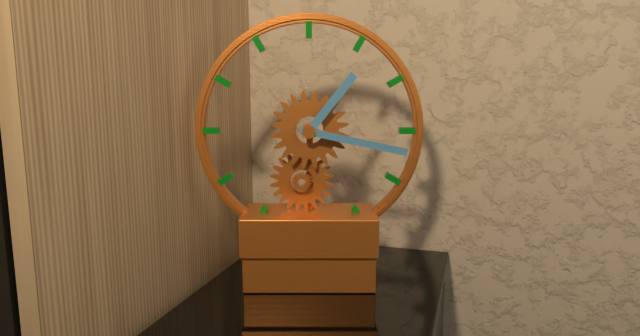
1:17
